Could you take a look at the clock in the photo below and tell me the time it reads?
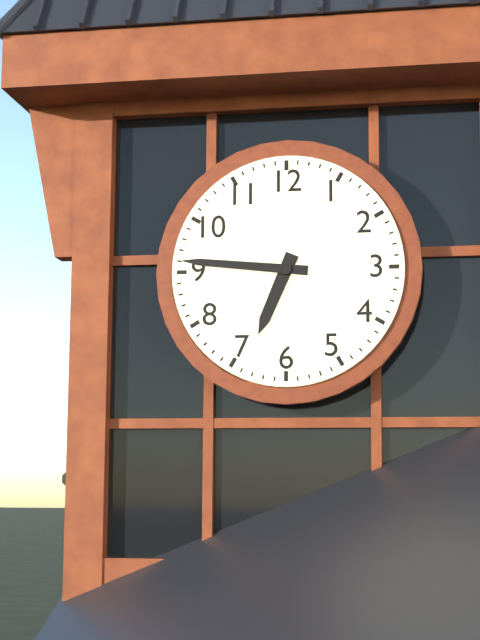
6:46
